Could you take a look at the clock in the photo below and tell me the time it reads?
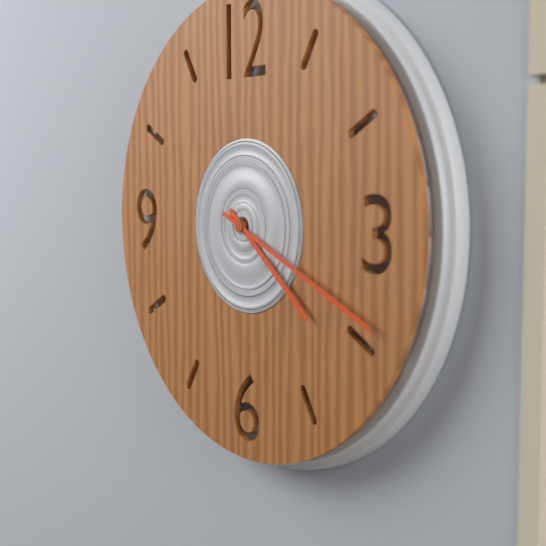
4:19
